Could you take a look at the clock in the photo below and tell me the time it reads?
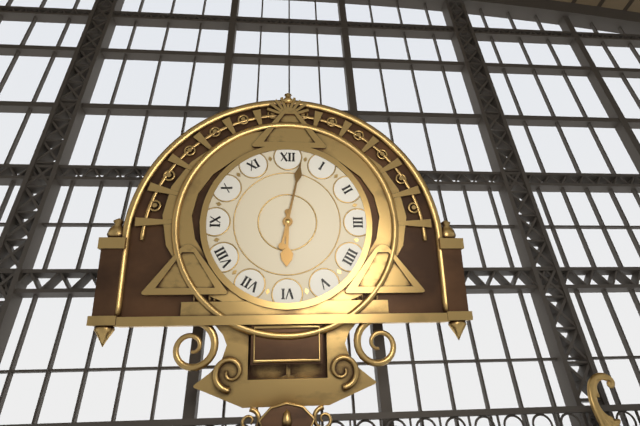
6:02
